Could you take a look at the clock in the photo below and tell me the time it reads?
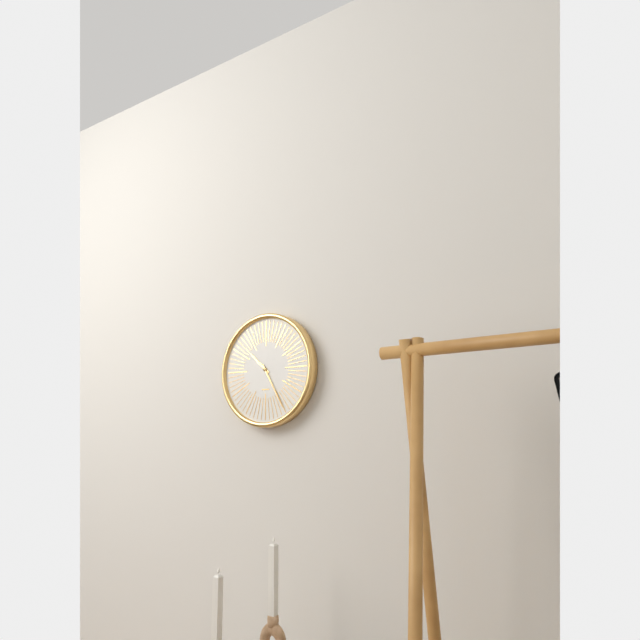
10:25
